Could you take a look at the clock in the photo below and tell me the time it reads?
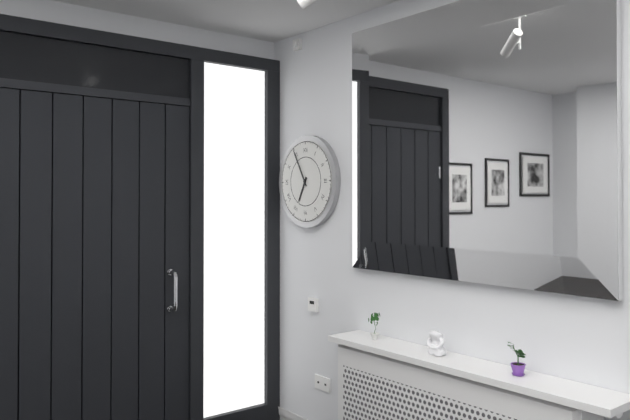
6:55
